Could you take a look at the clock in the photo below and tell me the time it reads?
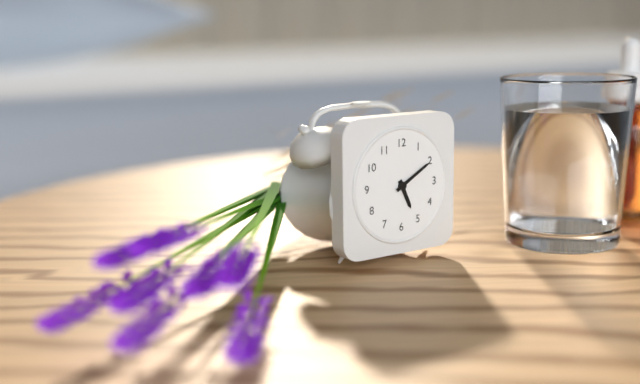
5:10
